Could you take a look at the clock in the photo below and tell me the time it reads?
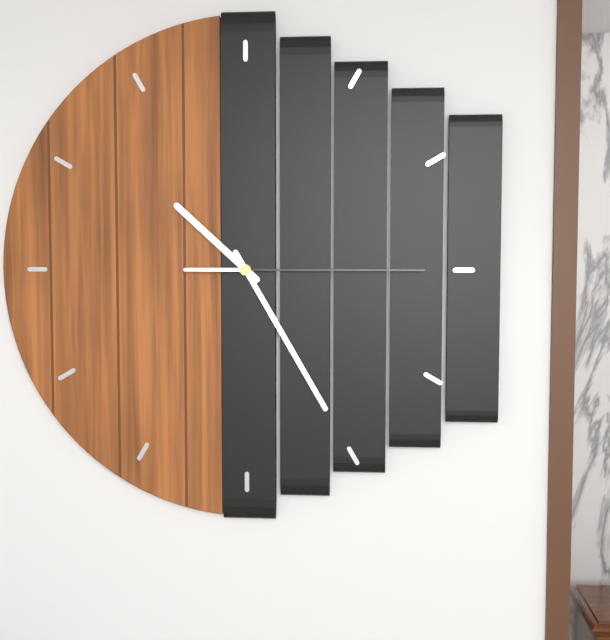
10:25:15
